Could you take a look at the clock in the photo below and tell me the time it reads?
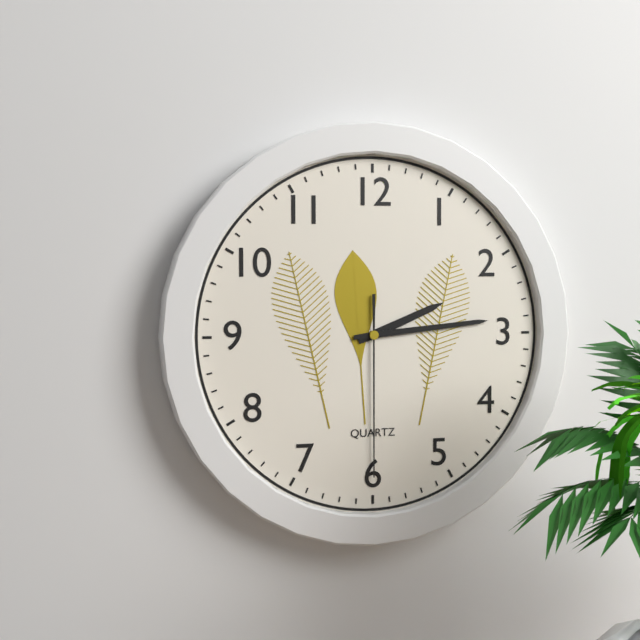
2:14:30
